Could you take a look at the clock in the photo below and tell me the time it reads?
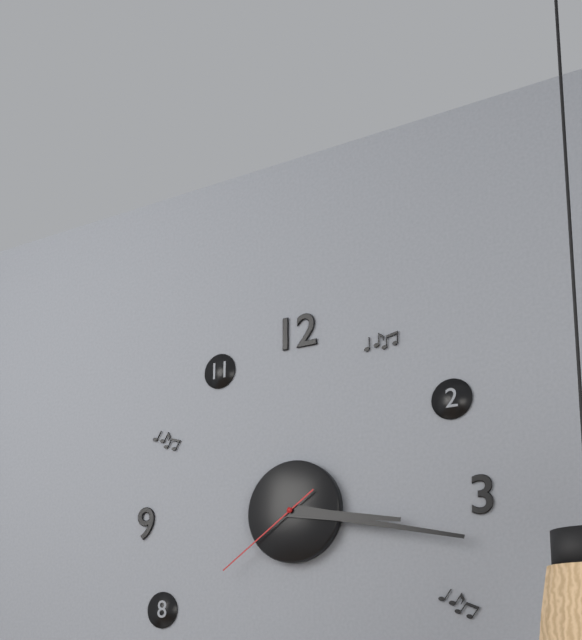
3:17:39
